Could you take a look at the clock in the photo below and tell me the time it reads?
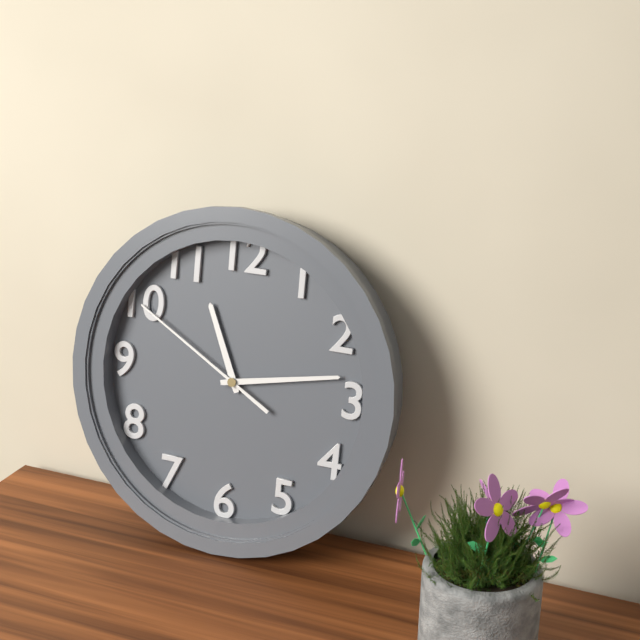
11:13:50
